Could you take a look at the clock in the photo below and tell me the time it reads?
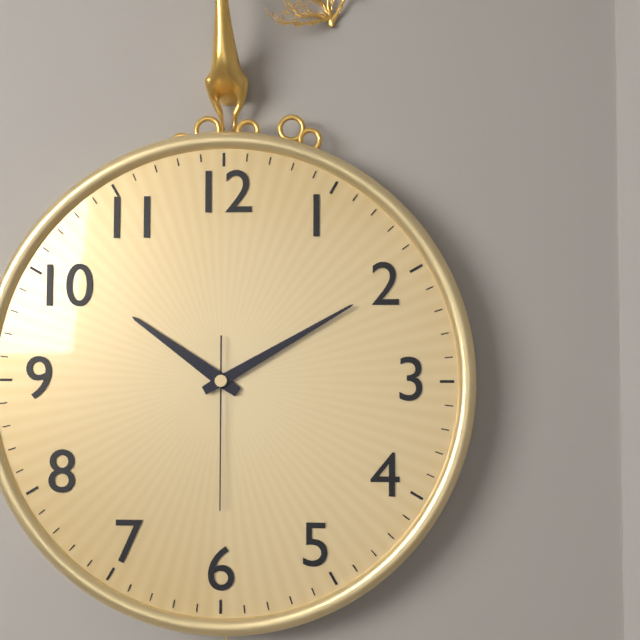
10:10:30
